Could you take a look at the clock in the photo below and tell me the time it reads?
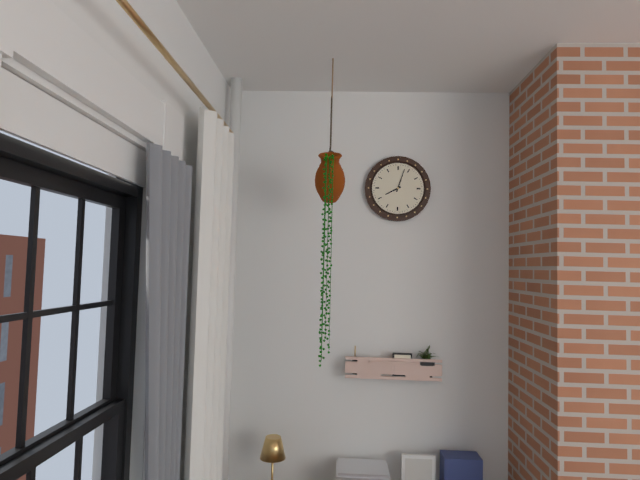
8:03
